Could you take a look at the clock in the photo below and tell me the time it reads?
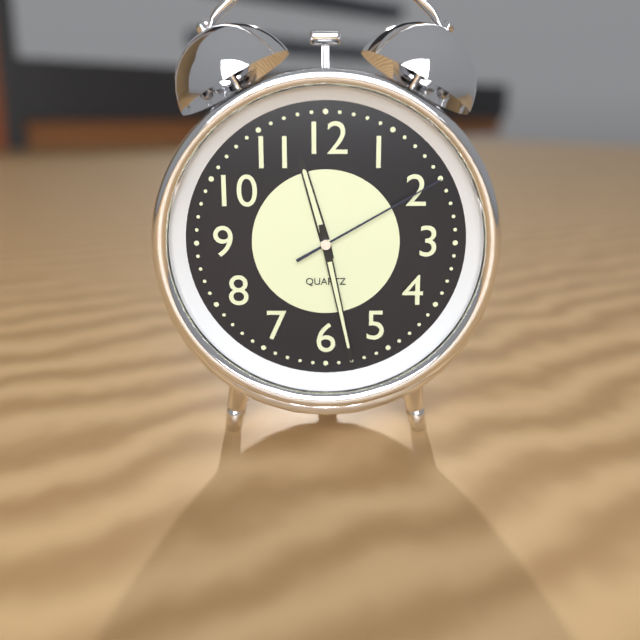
11:28:10
